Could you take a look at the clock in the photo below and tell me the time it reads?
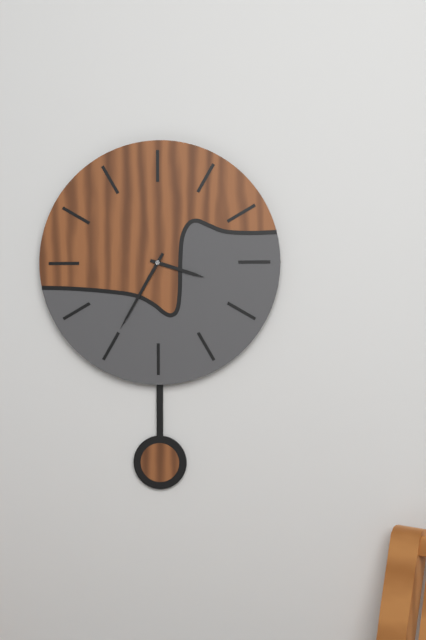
3:35
